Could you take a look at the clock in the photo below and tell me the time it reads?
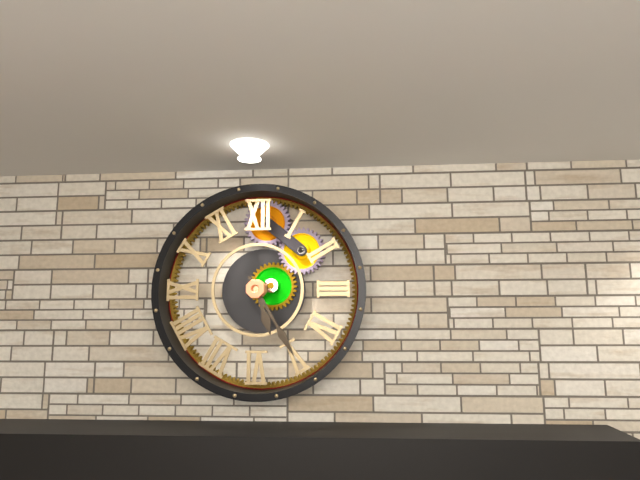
5:25
